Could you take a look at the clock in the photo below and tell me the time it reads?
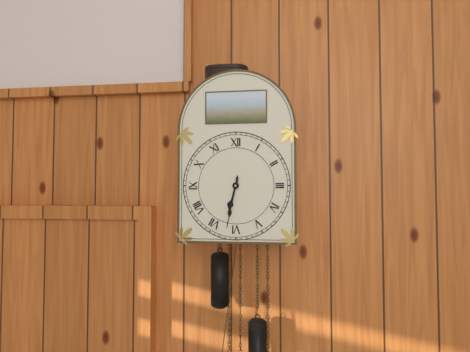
6:32
